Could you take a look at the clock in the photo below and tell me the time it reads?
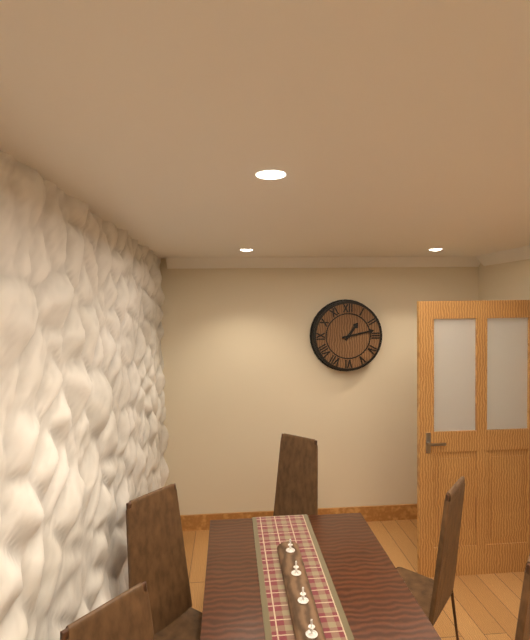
1:13
